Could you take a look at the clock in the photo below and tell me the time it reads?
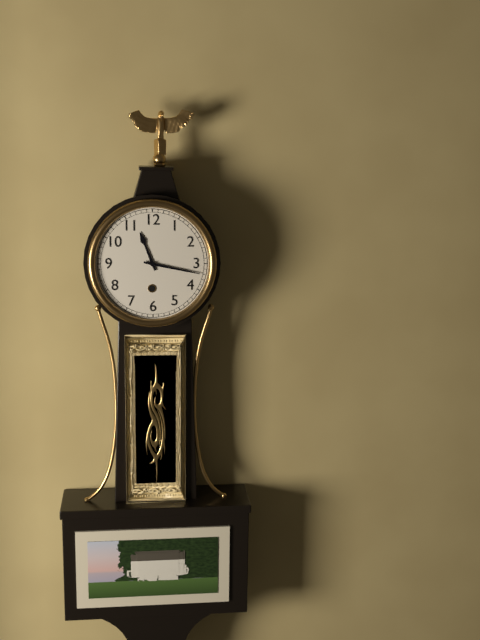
11:17
